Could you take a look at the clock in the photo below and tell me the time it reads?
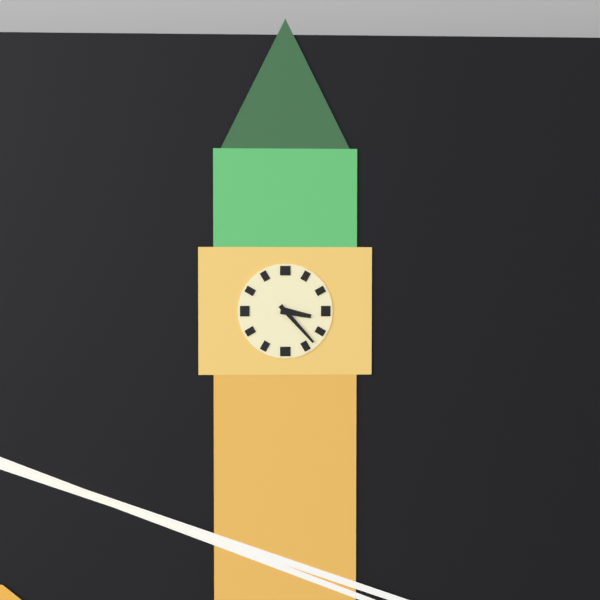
3:23
